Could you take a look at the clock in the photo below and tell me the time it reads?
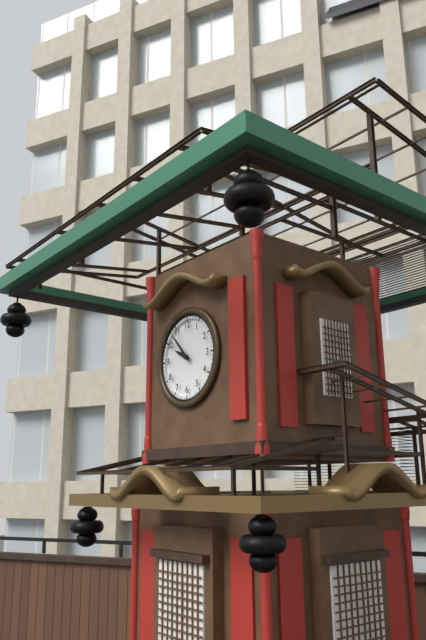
9:53
